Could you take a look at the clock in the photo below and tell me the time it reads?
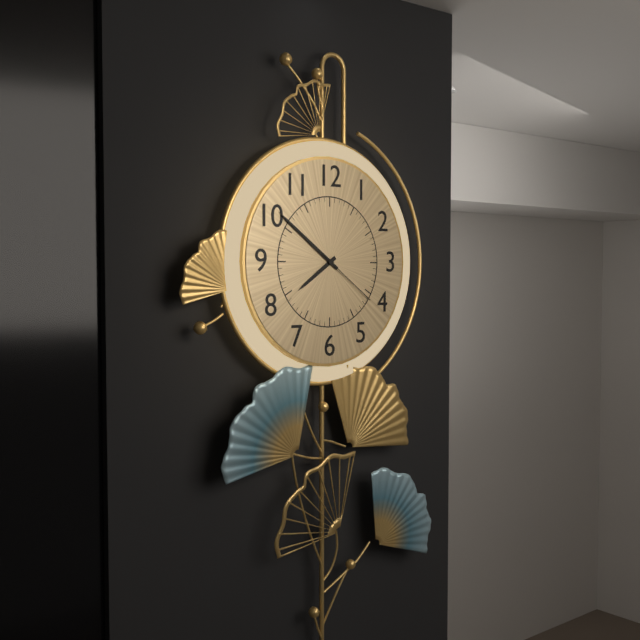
7:51:21
